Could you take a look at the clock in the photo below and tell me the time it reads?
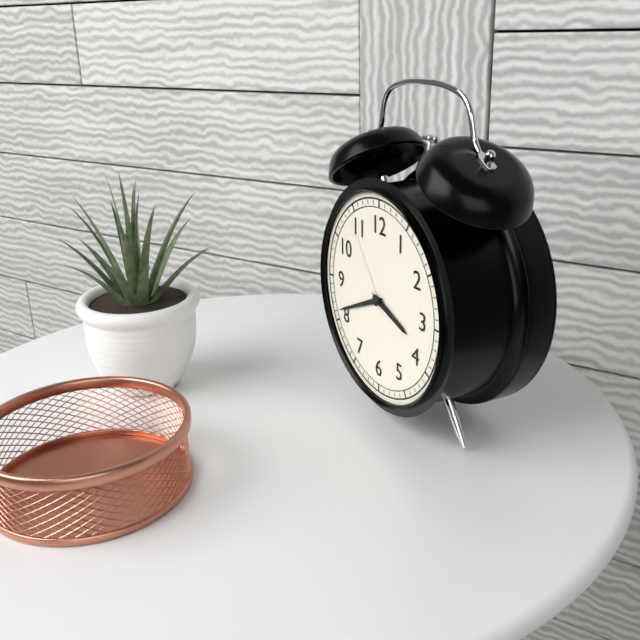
3:41:54
